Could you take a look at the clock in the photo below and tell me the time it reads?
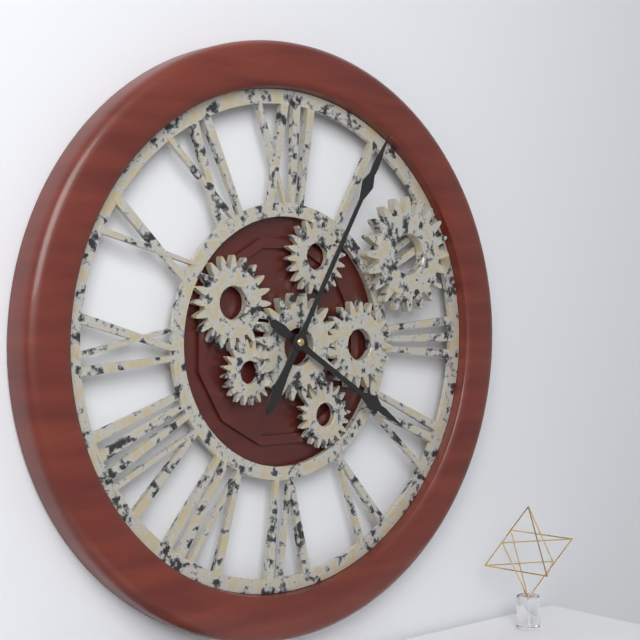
4:05
